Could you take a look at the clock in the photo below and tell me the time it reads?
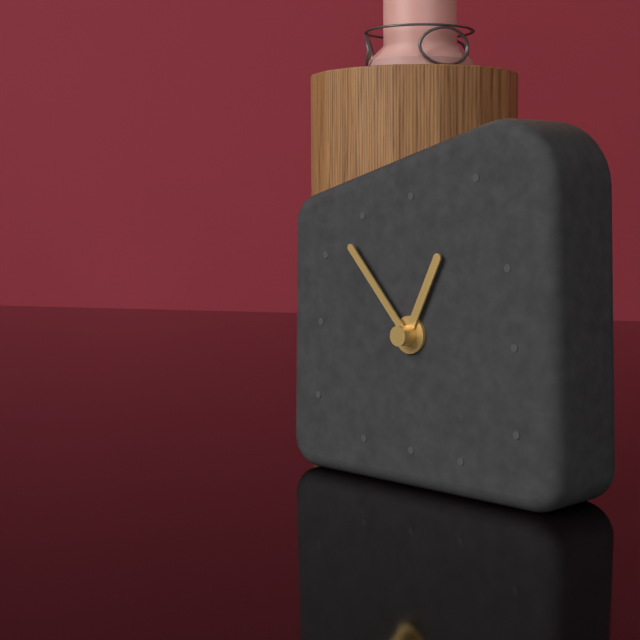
12:53
